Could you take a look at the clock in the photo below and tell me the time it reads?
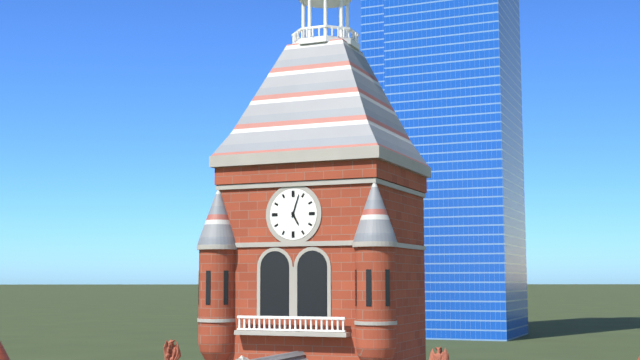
5:03
